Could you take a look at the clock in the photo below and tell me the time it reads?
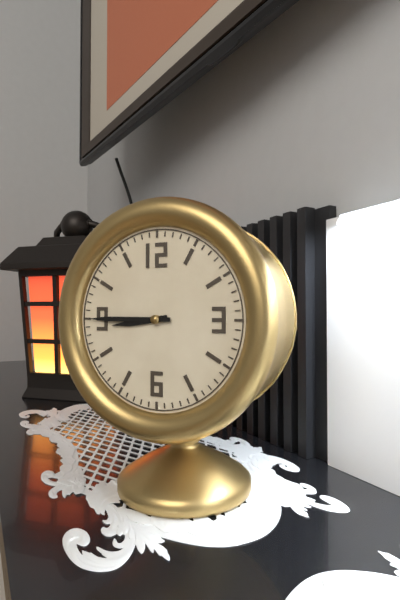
8:45
